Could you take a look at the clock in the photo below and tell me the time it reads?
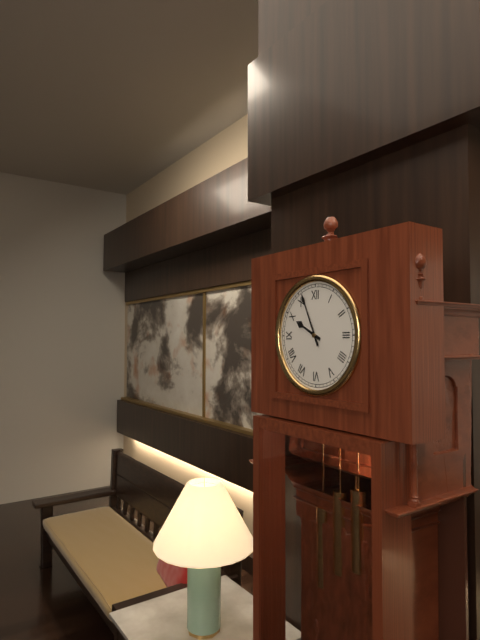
9:56
